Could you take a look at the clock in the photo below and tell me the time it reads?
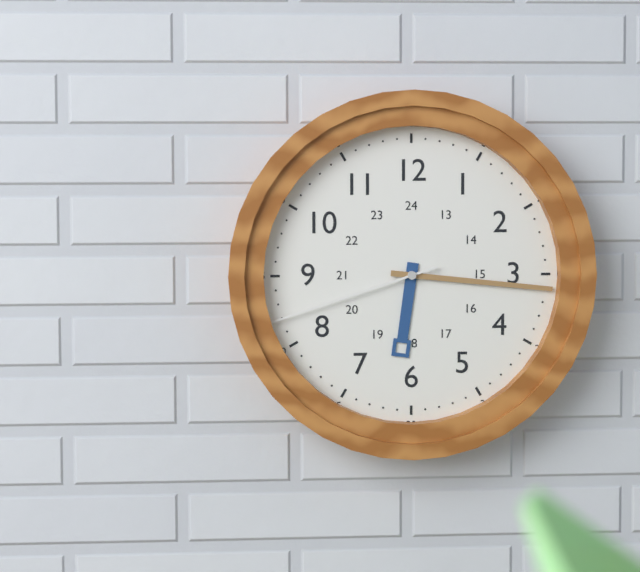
6:16:42
